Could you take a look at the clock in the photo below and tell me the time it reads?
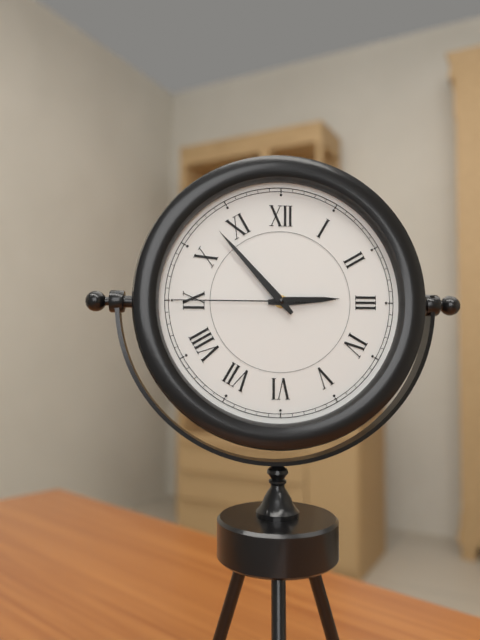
2:53:45
